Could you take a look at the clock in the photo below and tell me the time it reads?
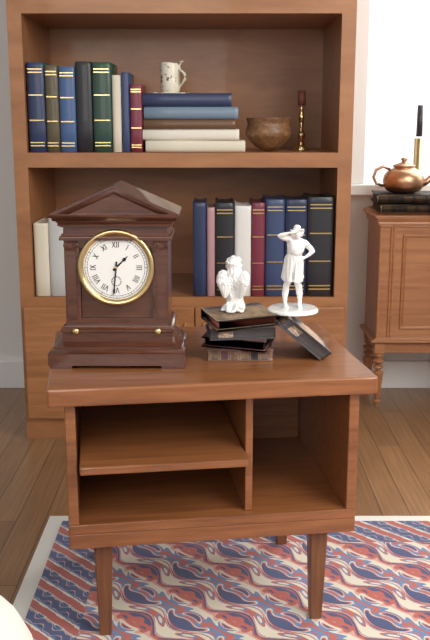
1:31
